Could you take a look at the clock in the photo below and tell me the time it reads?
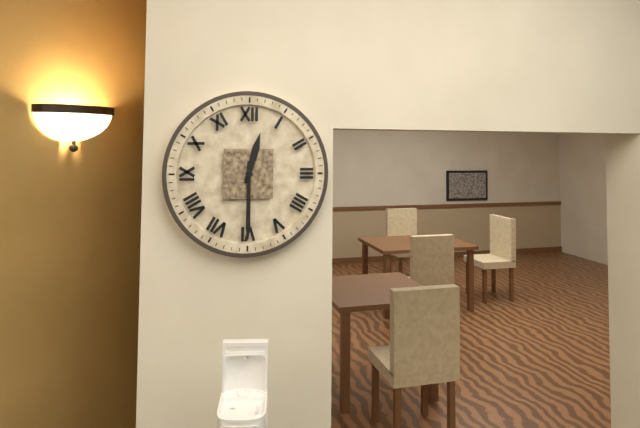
12:30
